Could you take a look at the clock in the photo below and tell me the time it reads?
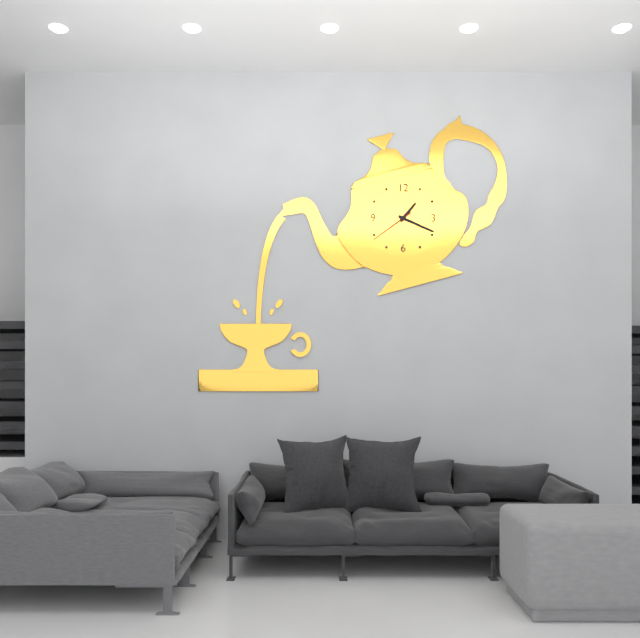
1:19
